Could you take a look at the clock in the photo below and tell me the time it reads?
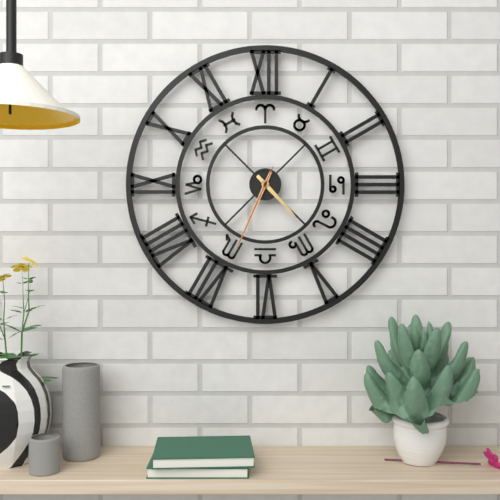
4:34:34
